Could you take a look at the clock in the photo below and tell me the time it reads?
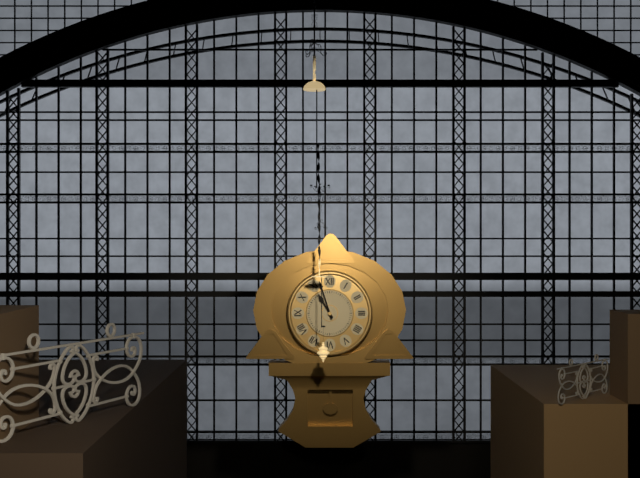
10:57
